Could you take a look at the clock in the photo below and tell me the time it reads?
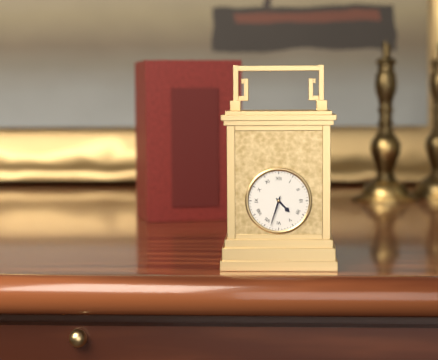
4:33
